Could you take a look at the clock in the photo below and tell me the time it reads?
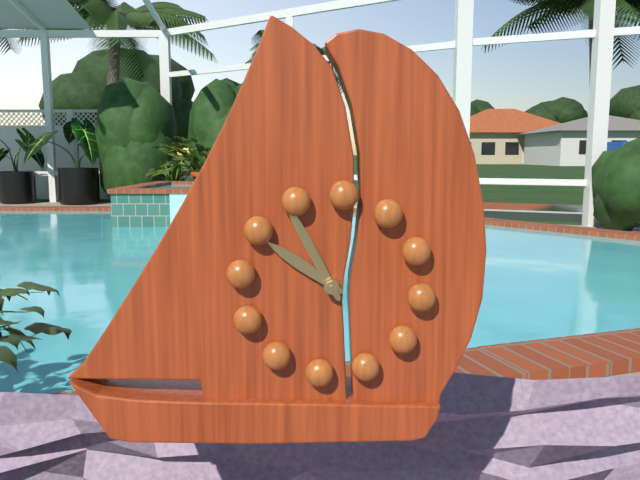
9:54
